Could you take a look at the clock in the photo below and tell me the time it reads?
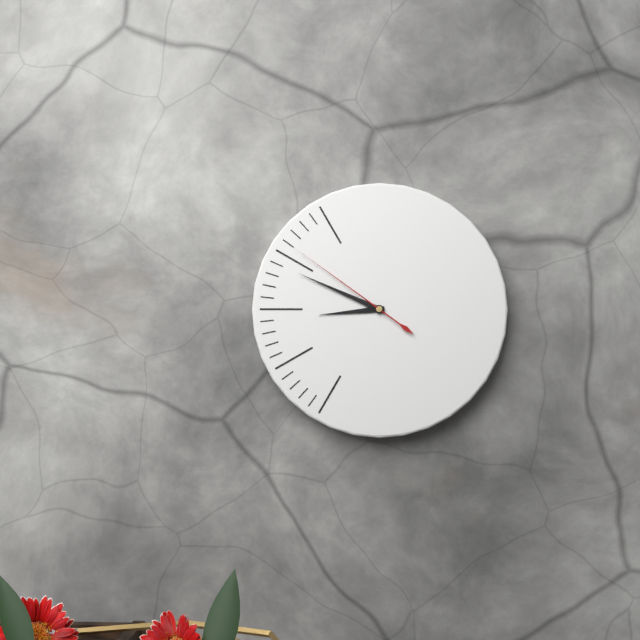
8:49:51
